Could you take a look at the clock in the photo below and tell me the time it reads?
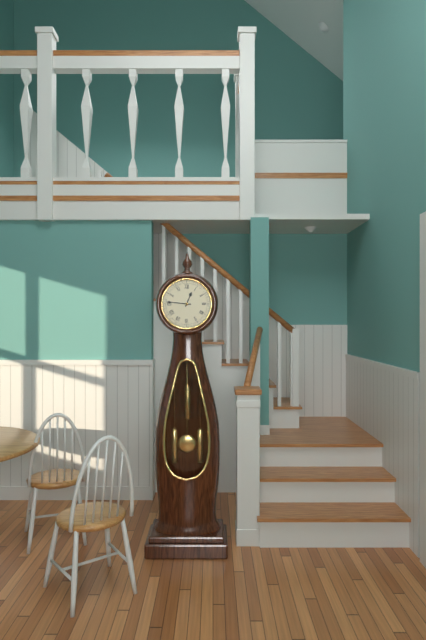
12:46
